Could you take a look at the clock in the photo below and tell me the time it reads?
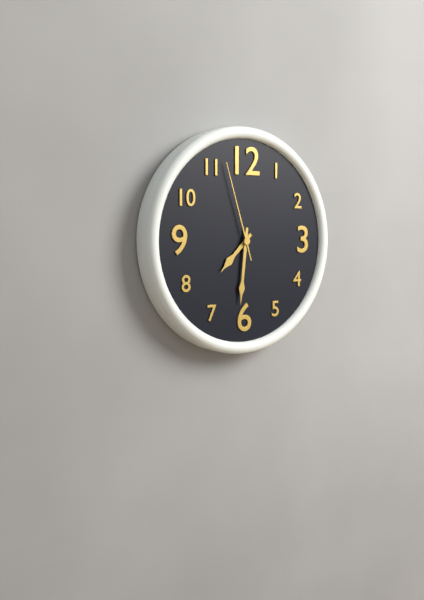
7:31:57
